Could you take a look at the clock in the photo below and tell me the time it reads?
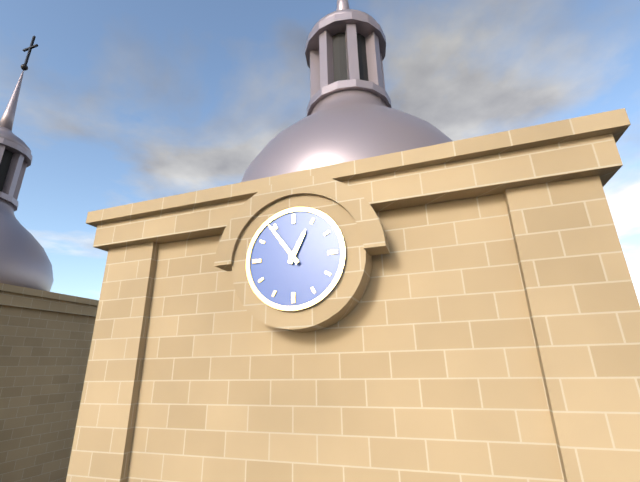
12:54
